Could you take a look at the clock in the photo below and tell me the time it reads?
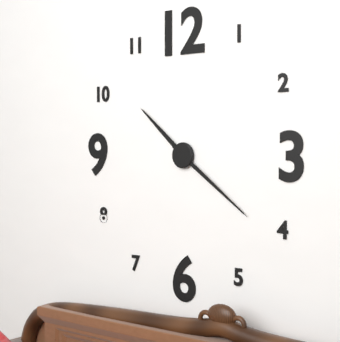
10:21
